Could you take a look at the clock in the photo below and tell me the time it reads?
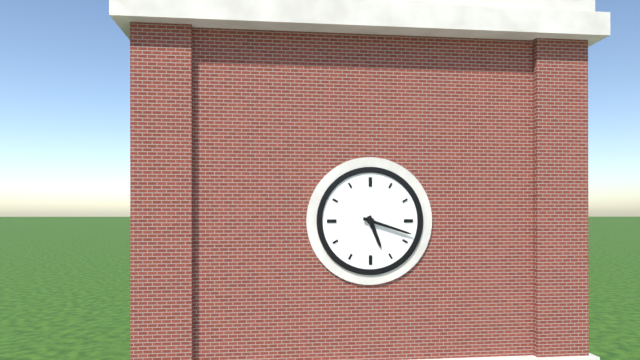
5:18
